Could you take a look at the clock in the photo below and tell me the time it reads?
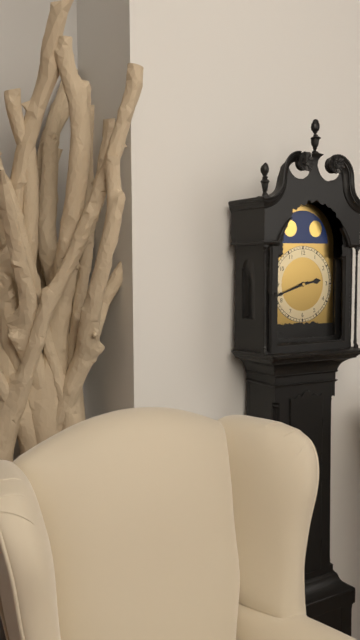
2:42
